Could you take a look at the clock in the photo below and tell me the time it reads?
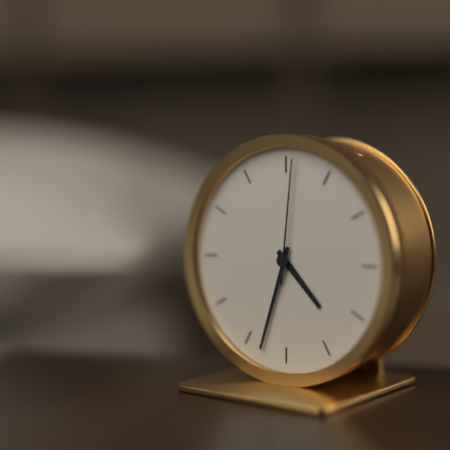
4:33:01
